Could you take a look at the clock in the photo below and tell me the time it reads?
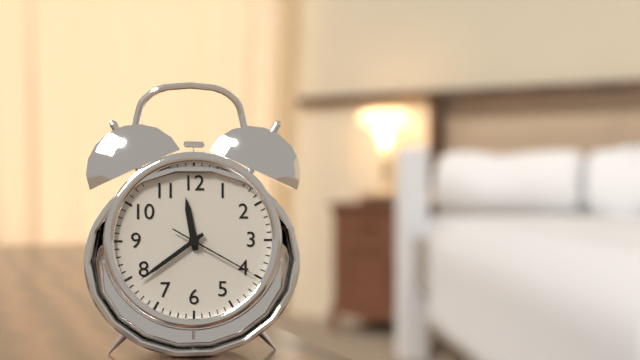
11:39:20
